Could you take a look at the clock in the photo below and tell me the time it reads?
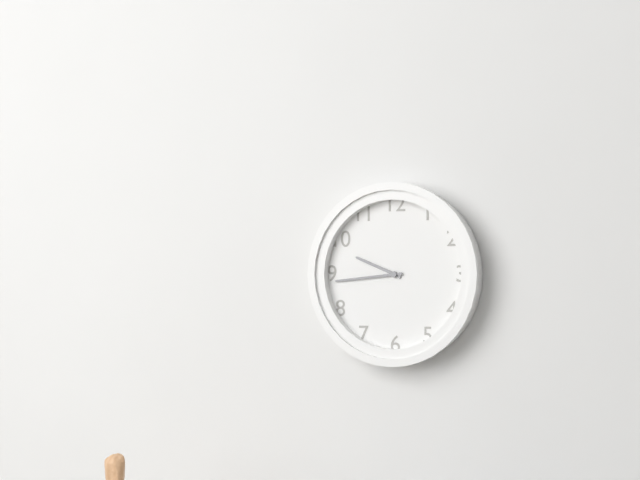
9:44
